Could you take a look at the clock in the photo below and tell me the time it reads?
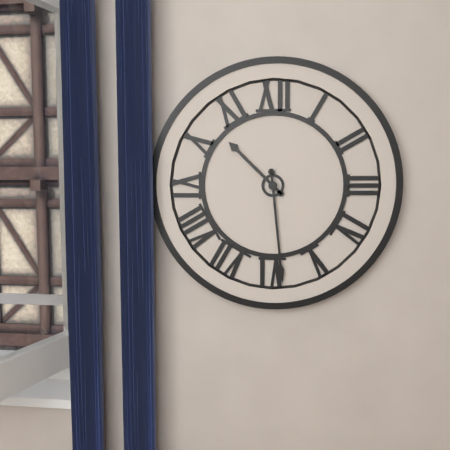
10:29
